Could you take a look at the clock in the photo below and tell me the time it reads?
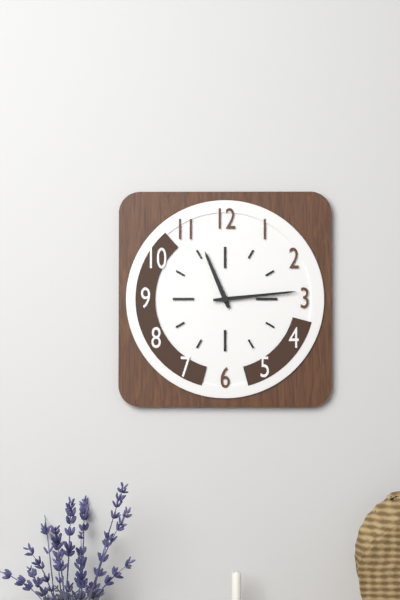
11:14
